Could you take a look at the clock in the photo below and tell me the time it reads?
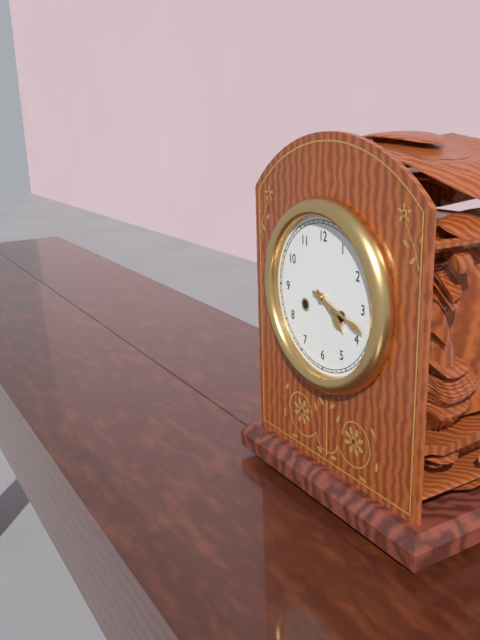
4:18
